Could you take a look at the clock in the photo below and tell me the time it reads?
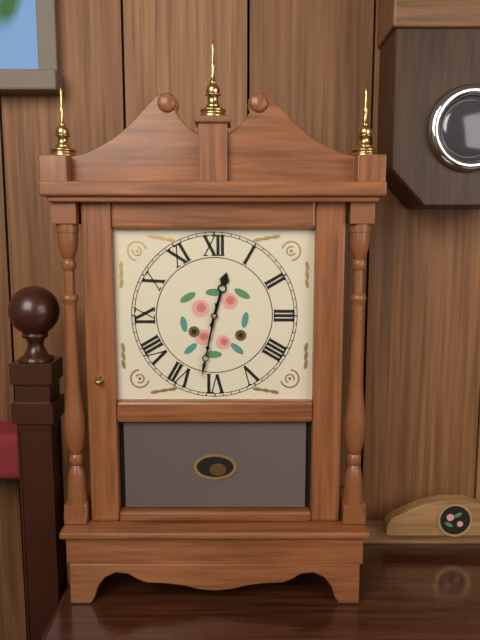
12:32
